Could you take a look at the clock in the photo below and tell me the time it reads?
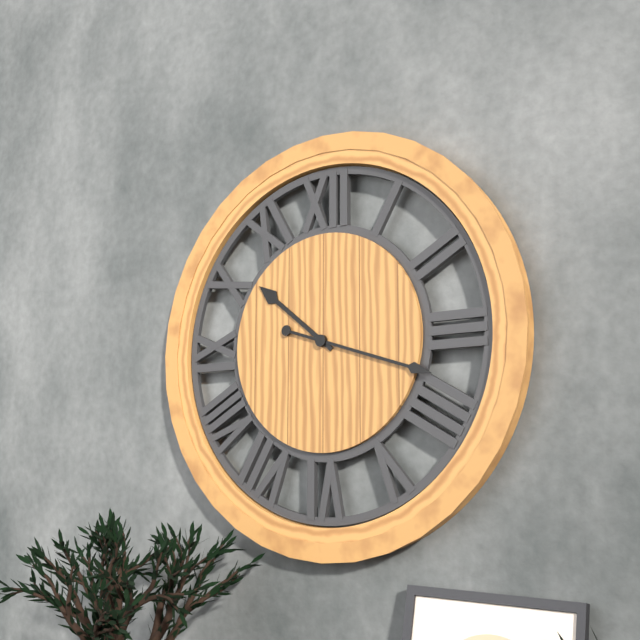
10:18
